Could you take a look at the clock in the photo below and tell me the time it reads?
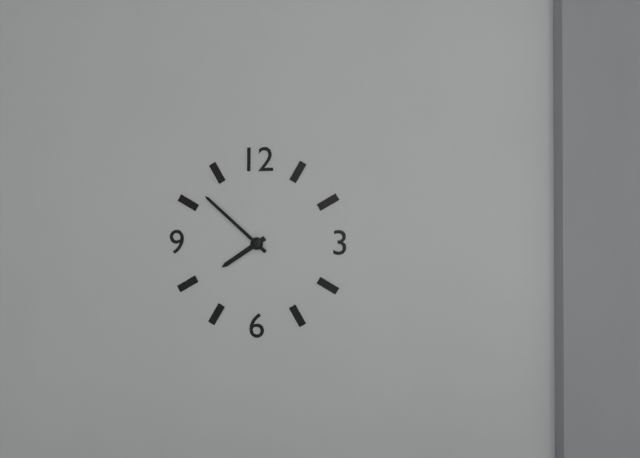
7:52
